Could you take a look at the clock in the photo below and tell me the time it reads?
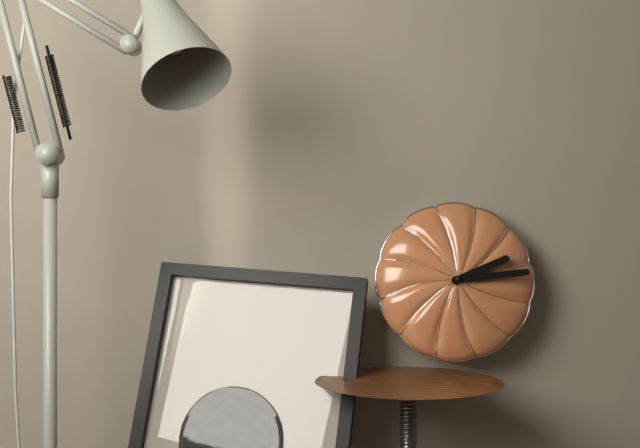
2:14
